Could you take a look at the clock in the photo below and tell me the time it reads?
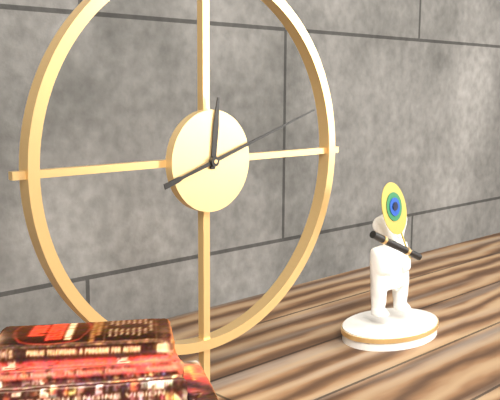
12:12
